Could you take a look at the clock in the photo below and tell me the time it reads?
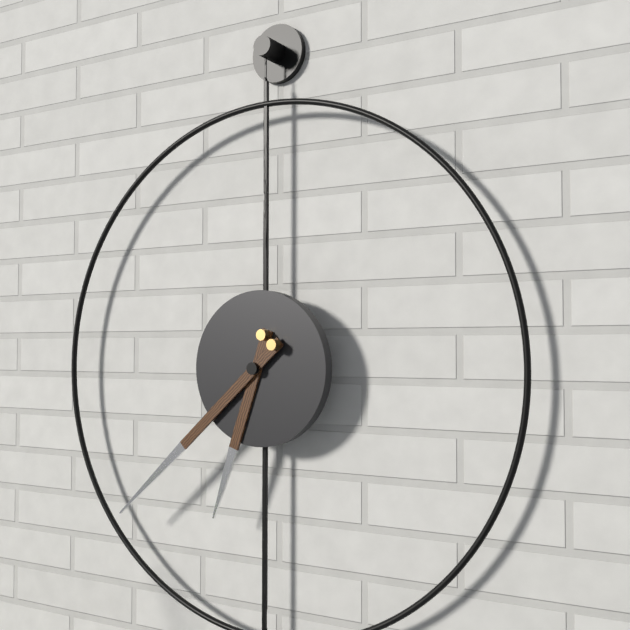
6:38
